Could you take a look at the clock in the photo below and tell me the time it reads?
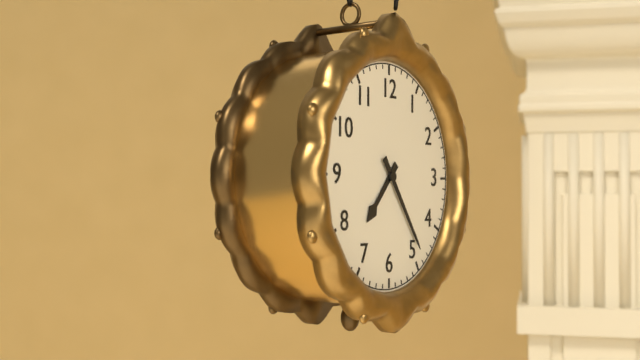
7:24
